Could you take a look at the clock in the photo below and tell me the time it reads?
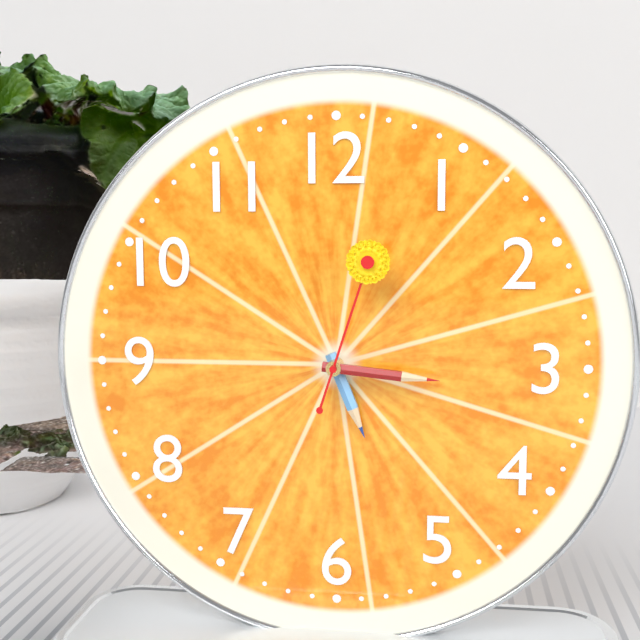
5:16:03
